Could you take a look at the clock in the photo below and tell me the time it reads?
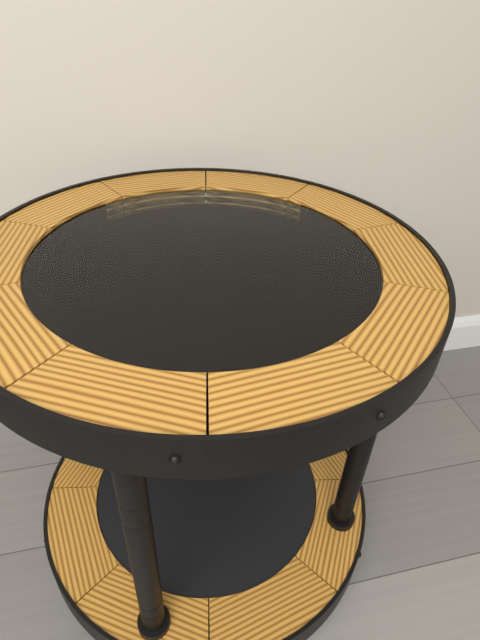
3:21
